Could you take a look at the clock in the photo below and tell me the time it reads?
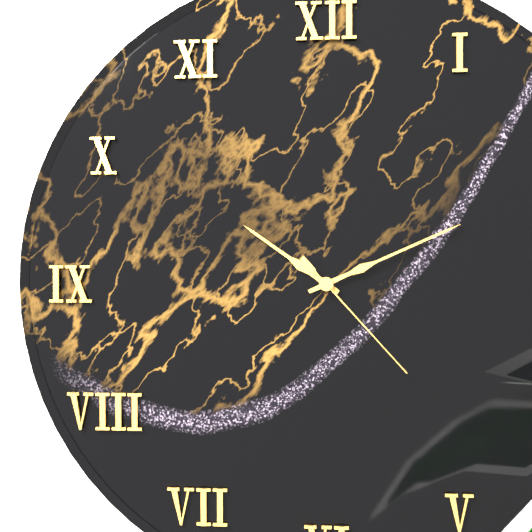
10:11:23
